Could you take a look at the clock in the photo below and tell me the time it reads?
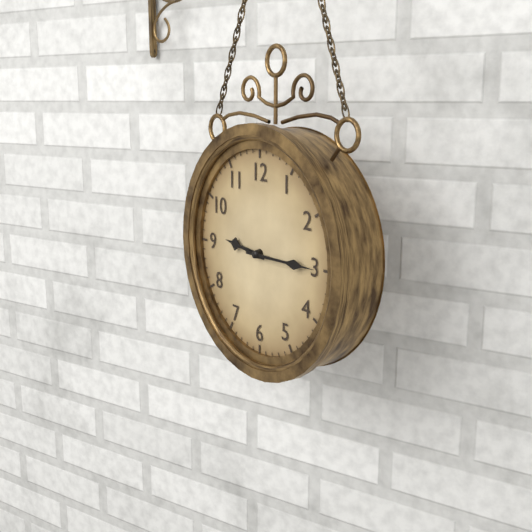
9:15
